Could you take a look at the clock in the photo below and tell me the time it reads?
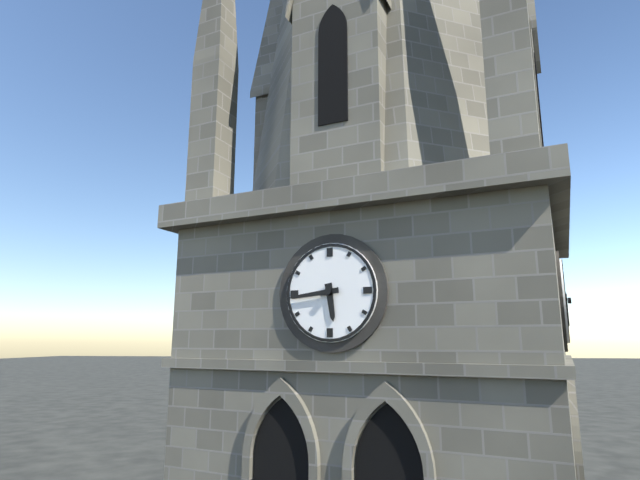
5:44
